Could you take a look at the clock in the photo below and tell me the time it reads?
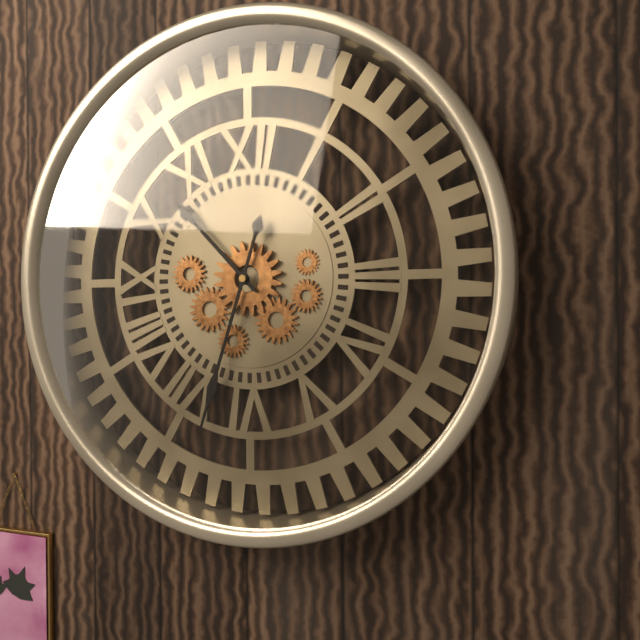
10:33
